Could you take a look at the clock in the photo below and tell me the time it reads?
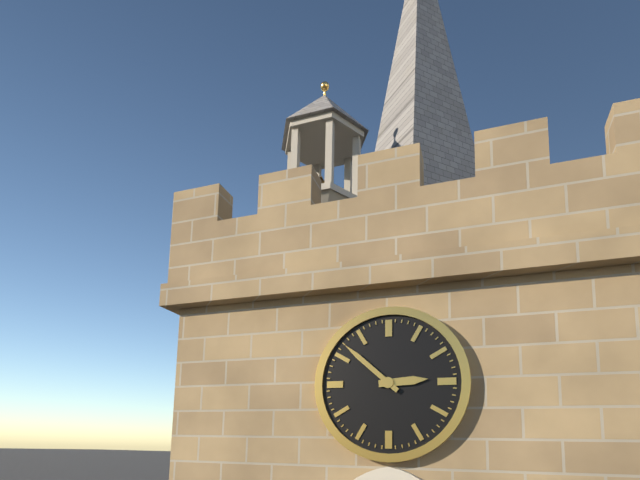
2:52
